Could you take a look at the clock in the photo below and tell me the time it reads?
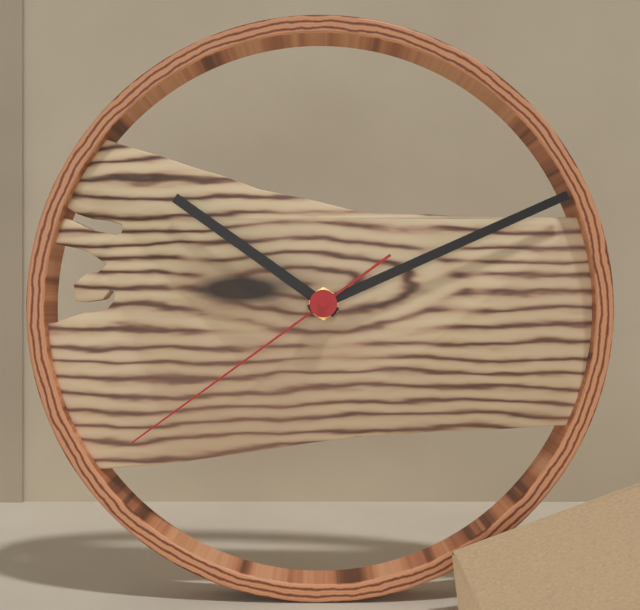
10:11:39
